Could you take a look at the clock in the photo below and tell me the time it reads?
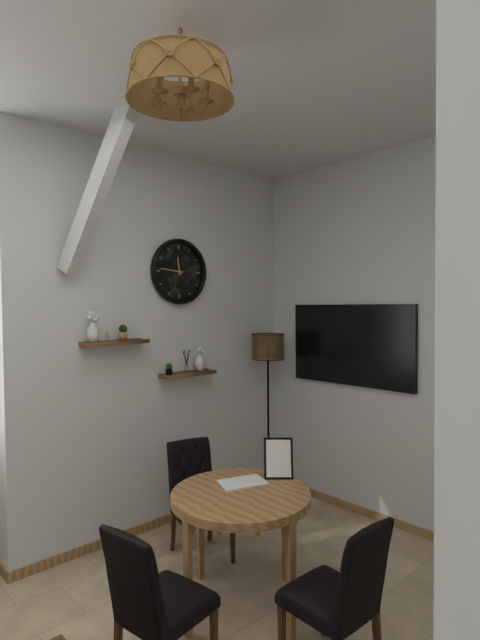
11:46
